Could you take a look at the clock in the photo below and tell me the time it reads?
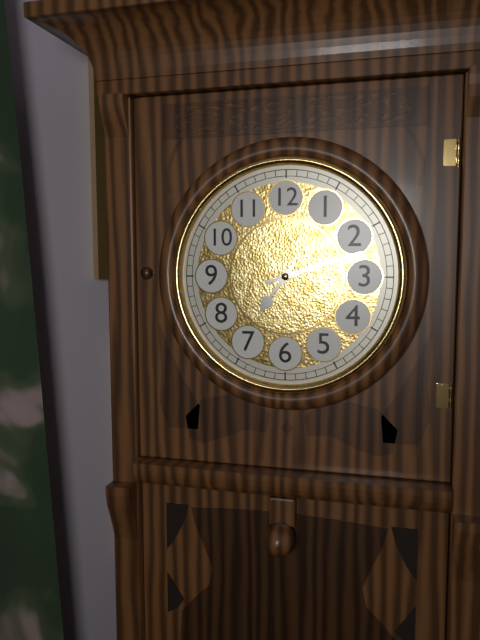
7:12
